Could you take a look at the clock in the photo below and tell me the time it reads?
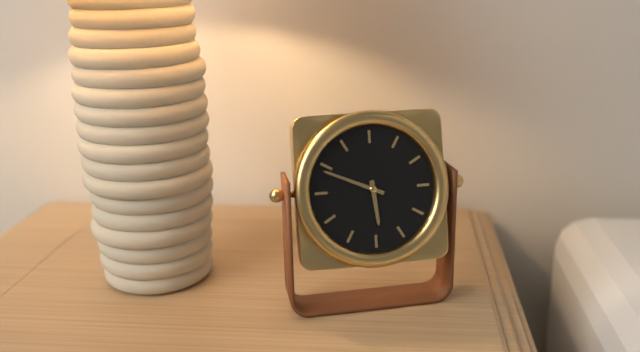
5:49
